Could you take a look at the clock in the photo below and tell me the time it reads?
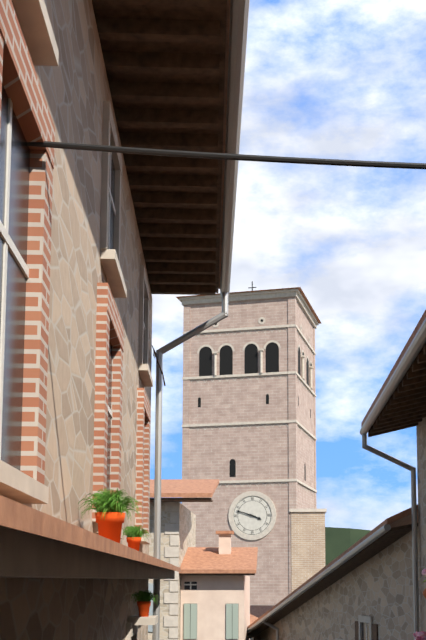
3:48
